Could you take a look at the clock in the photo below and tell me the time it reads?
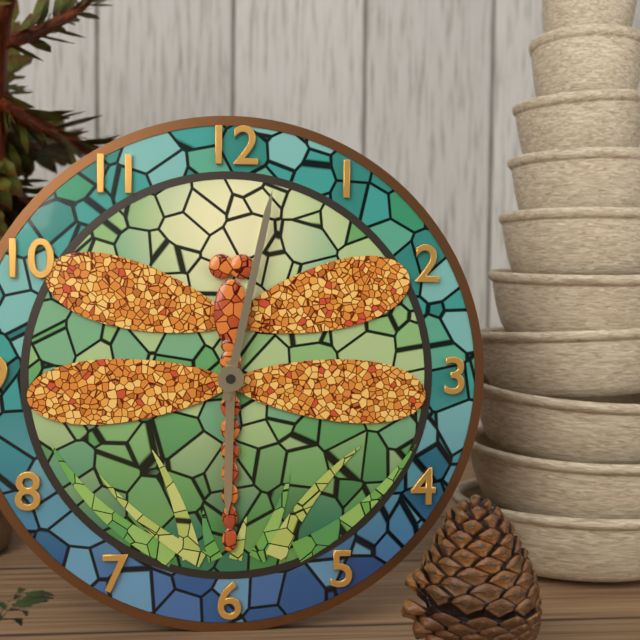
6:02
